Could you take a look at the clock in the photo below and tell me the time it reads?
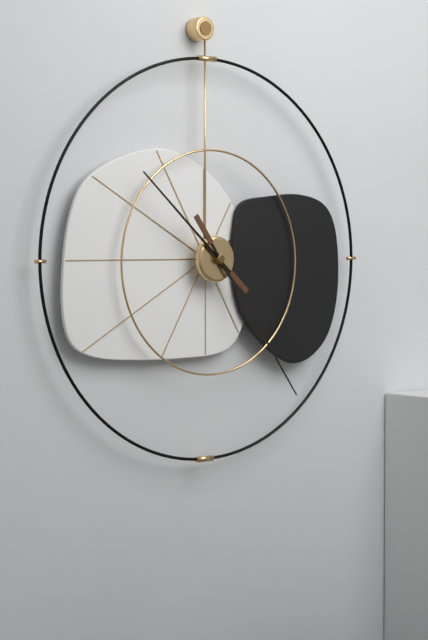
10:24
